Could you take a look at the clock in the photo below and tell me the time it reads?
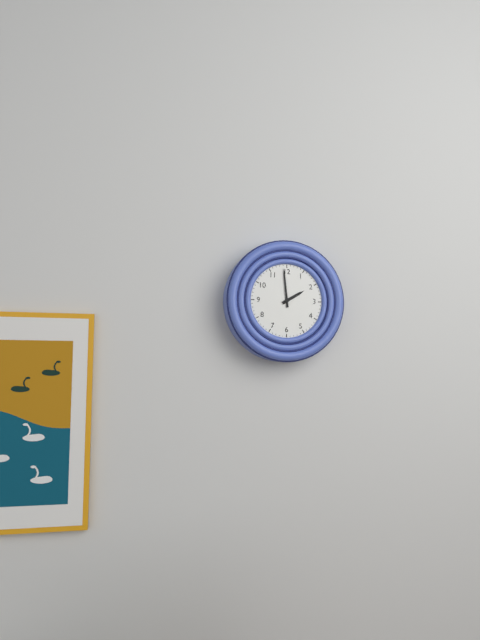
1:59
